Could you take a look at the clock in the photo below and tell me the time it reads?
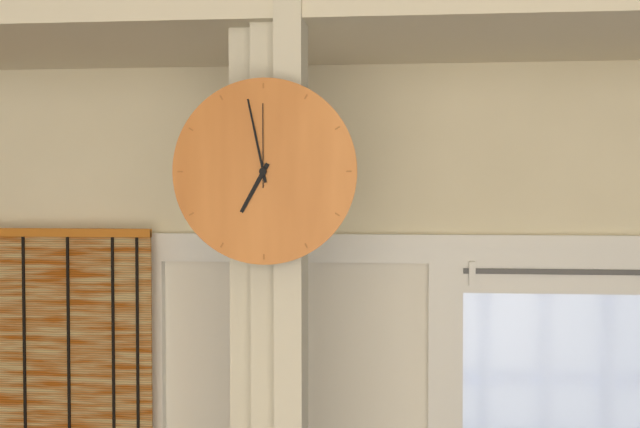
6:58:00
